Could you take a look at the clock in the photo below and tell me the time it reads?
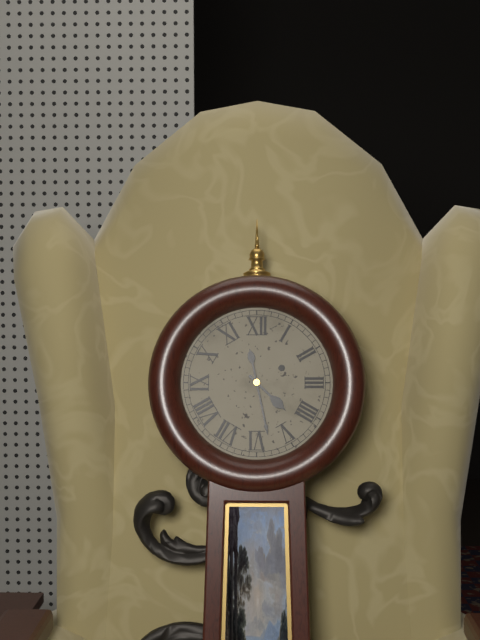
4:28
